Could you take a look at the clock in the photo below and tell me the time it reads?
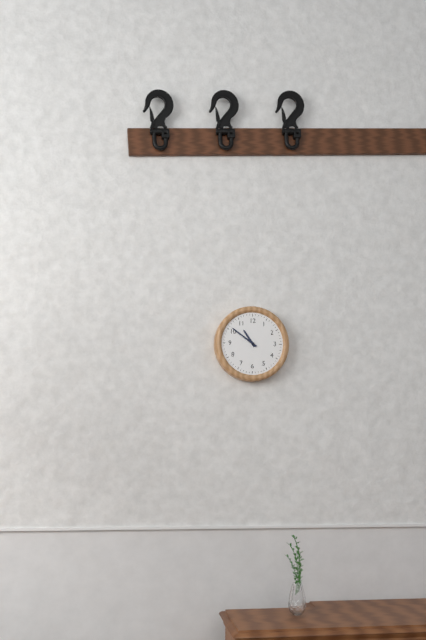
10:51
